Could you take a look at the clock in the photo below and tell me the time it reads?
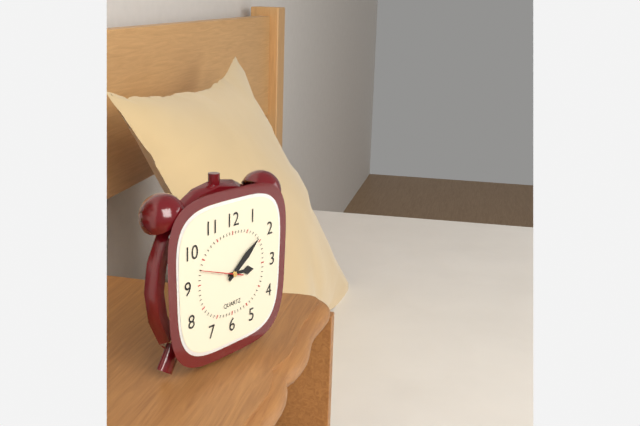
3:09
